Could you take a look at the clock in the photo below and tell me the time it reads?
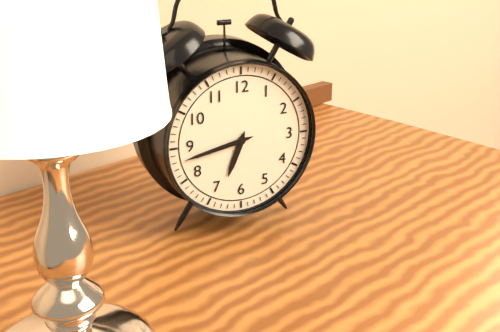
6:43
